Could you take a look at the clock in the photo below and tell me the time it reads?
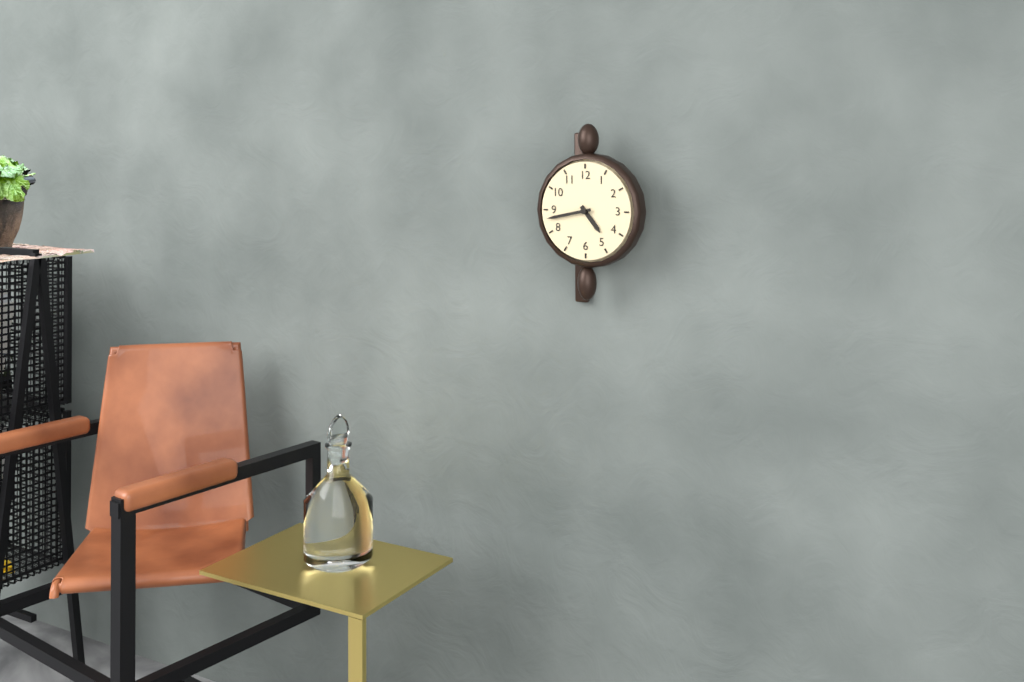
4:43
